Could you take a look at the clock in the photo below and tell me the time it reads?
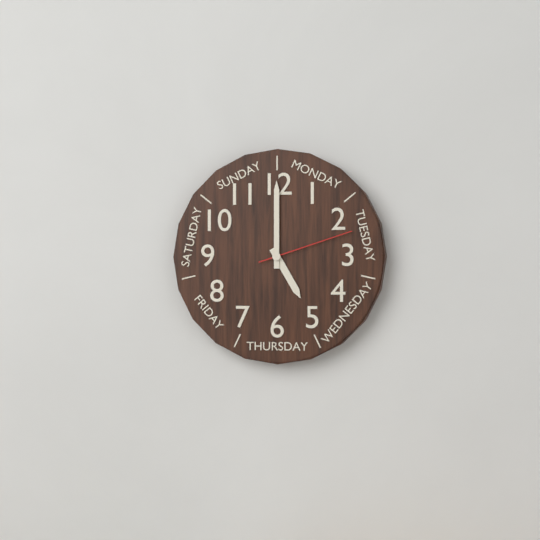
5:00:12
